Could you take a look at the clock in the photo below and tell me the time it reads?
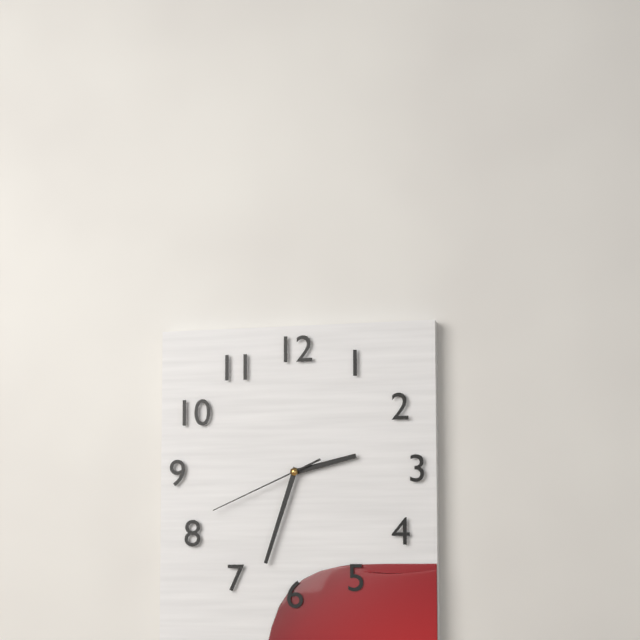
2:33:41
